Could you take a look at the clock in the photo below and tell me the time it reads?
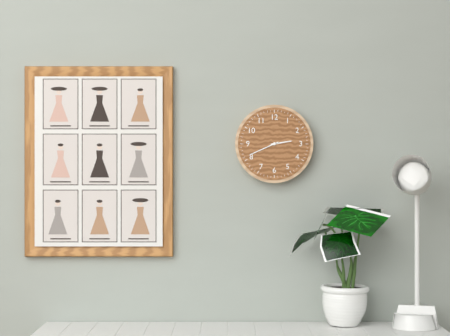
2:41
